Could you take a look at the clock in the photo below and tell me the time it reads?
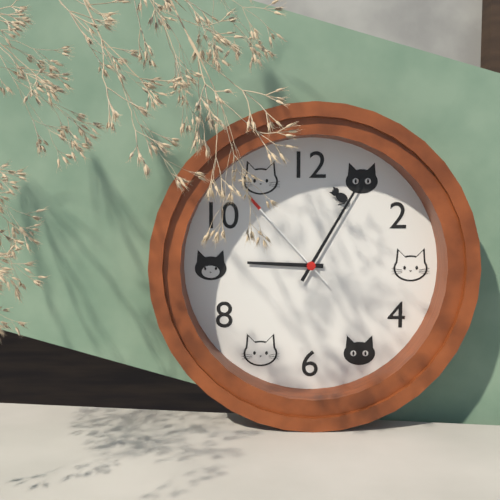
9:05:53
